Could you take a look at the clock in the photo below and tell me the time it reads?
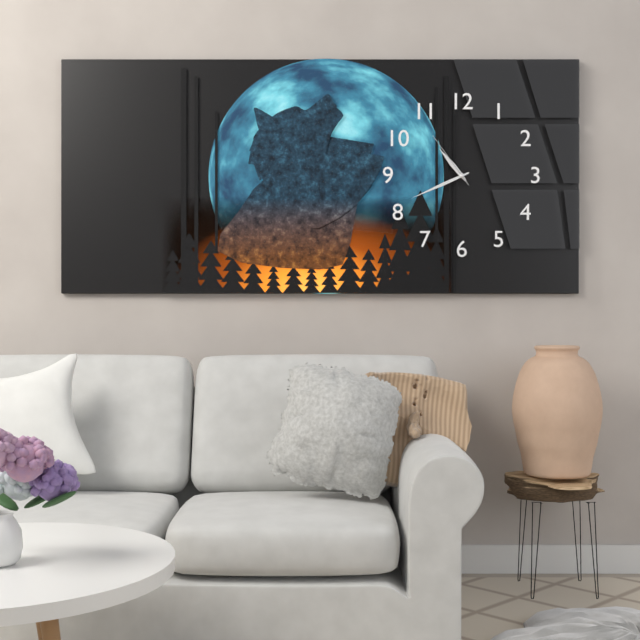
10:41:54
